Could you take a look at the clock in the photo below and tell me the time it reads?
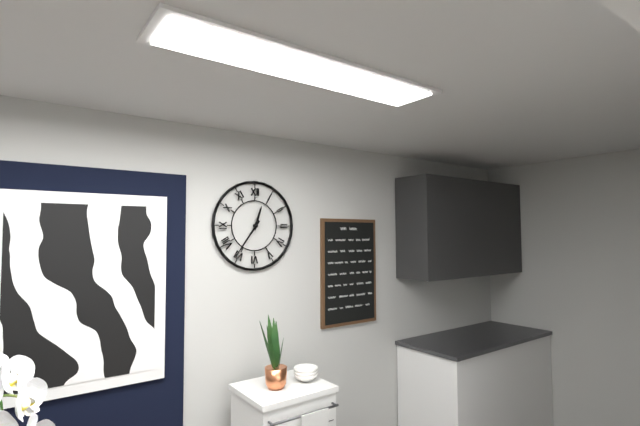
12:36
